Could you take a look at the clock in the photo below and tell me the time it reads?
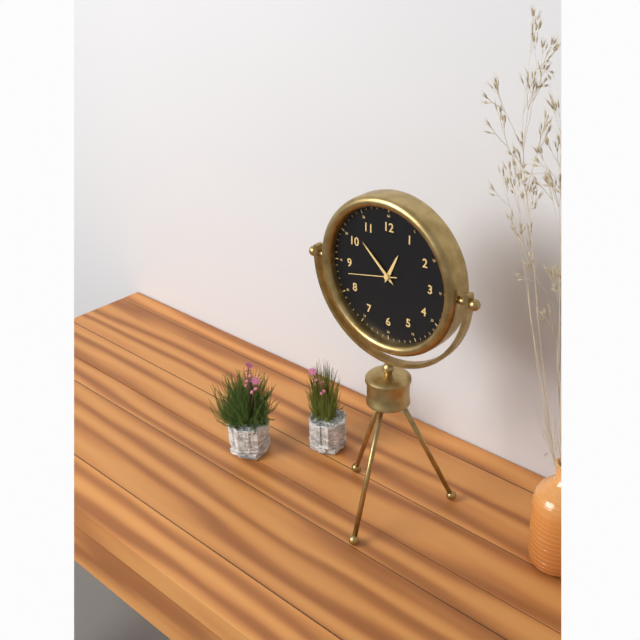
12:52
